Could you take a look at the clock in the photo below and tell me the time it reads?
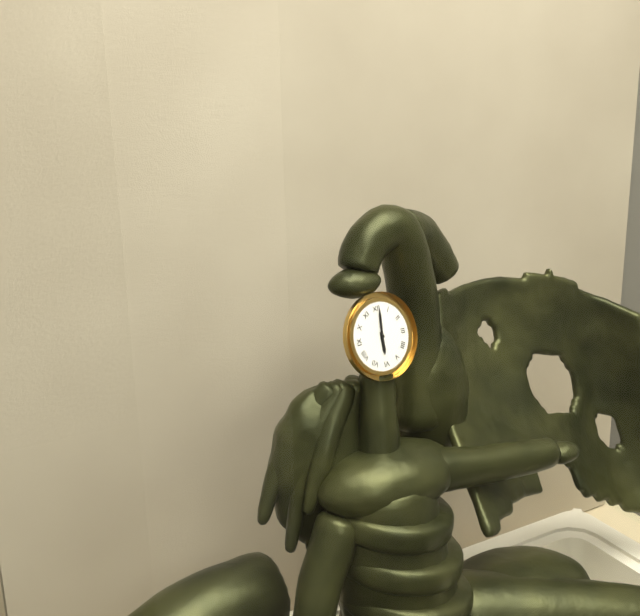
6:01
